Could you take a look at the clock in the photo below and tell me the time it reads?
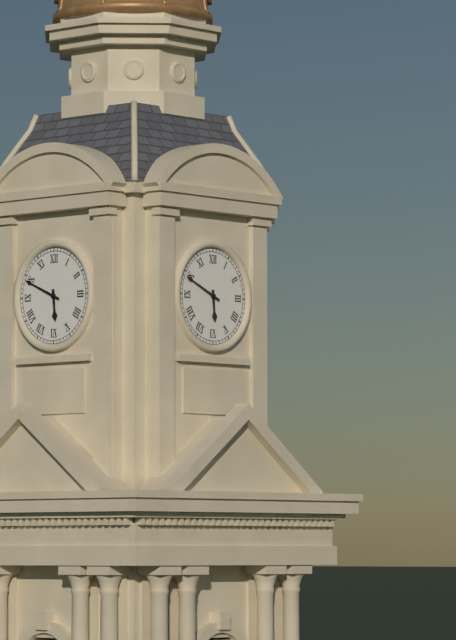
5:49
